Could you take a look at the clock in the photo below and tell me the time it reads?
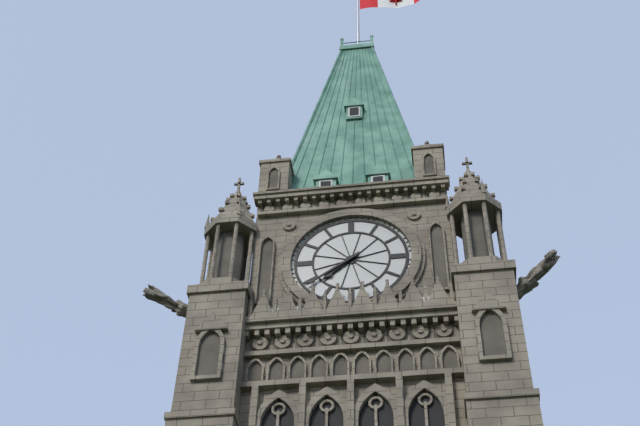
7:39
